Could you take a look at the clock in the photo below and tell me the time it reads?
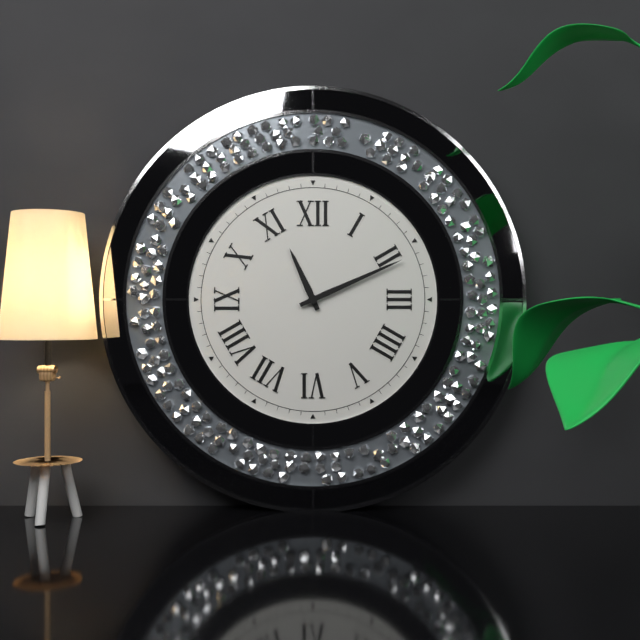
11:11
